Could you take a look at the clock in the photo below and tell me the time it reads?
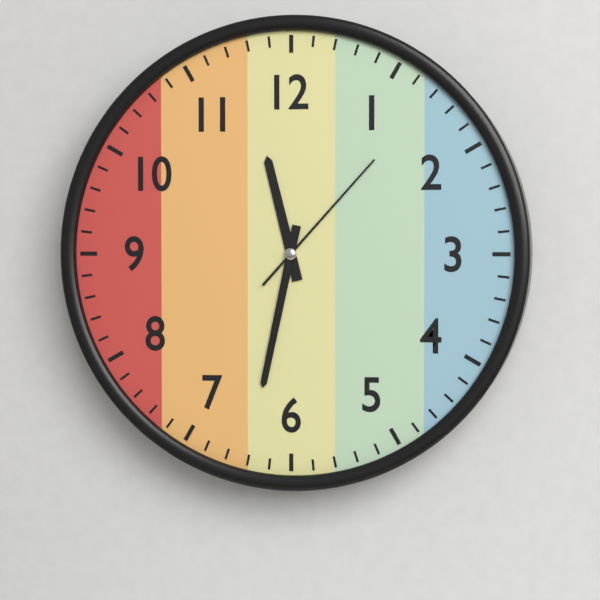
11:32:07
